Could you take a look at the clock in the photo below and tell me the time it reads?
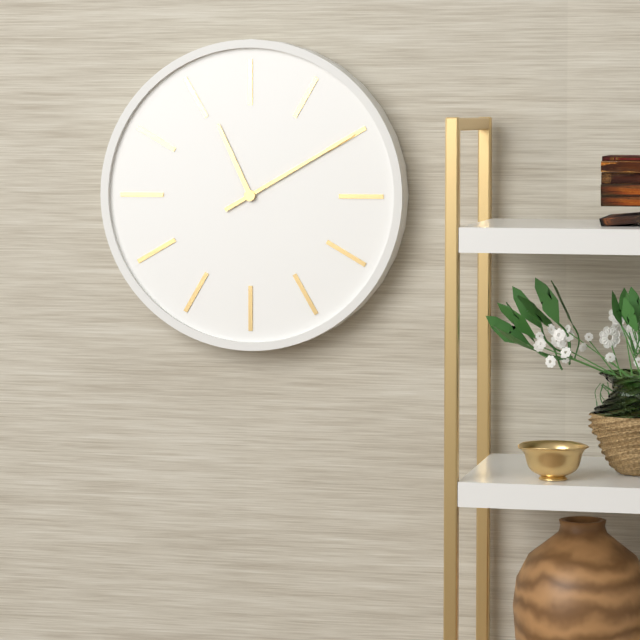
11:10
